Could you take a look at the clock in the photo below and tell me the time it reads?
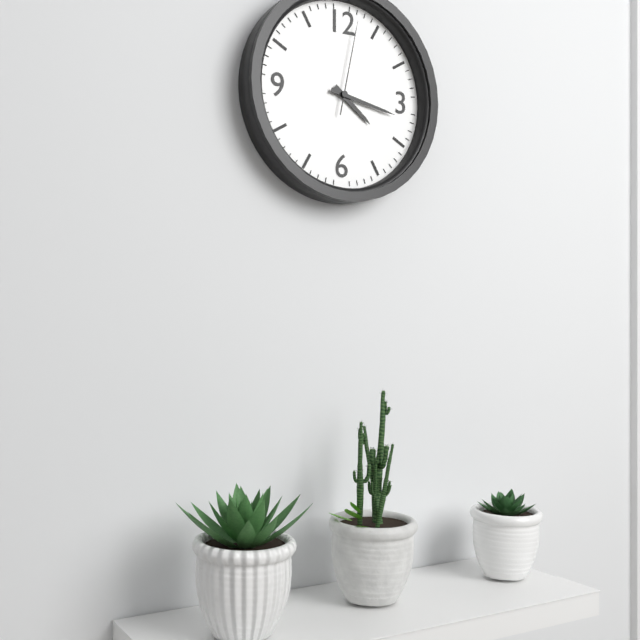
4:17:02
